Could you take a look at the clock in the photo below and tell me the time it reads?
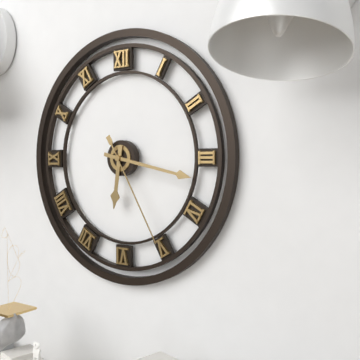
6:17:25
